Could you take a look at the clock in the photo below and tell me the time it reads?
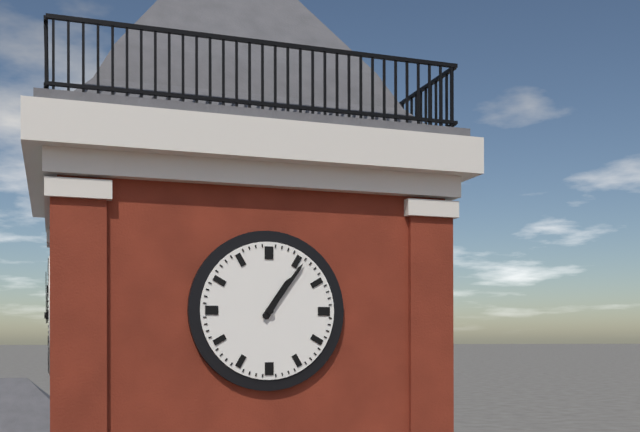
1:06
